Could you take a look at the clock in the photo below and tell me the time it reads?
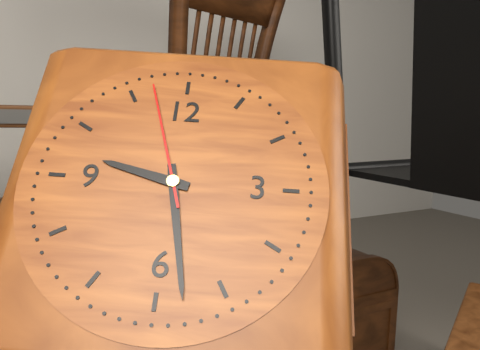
9:28:57
